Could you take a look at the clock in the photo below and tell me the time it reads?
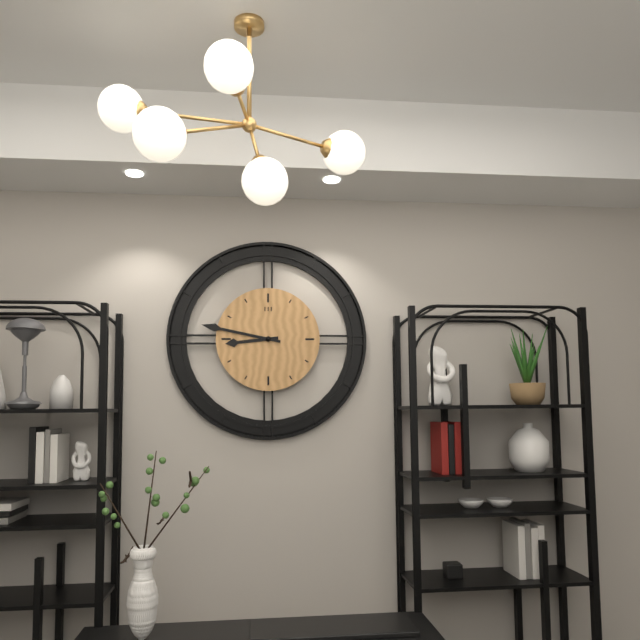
8:47
